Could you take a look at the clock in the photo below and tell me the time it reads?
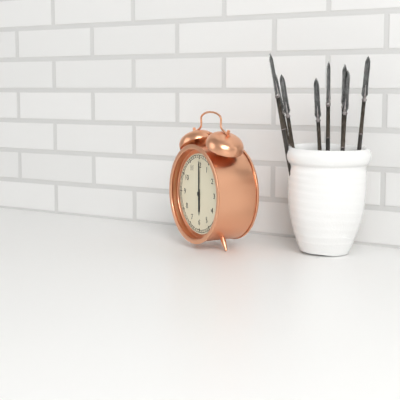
6:00
